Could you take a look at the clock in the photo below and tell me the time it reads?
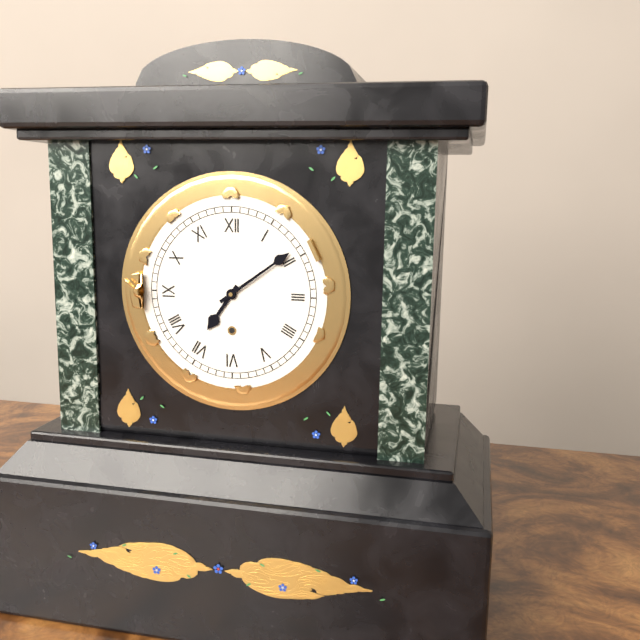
7:09
